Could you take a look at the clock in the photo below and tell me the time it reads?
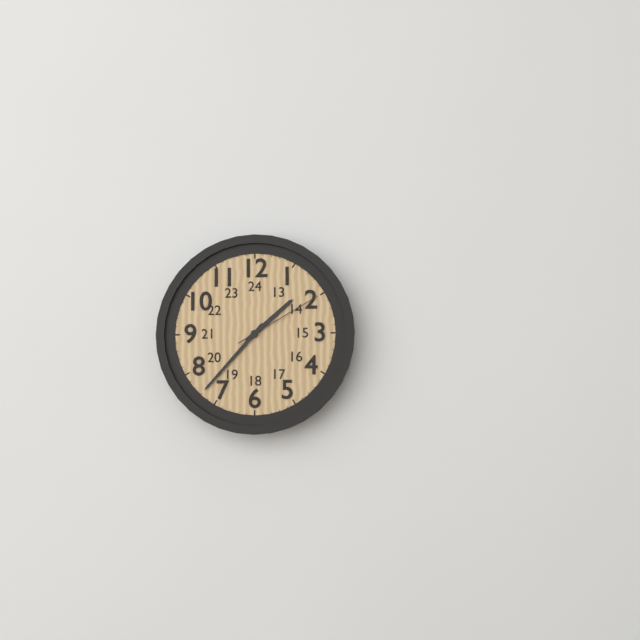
1:37:10
